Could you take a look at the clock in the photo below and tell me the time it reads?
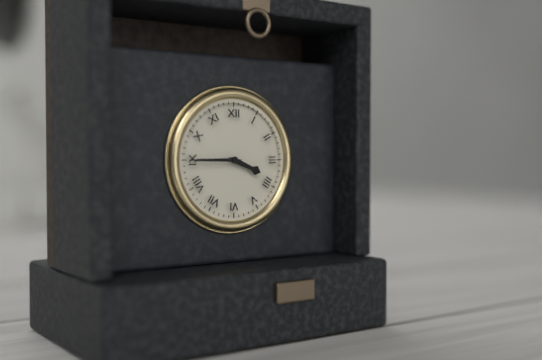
3:45
